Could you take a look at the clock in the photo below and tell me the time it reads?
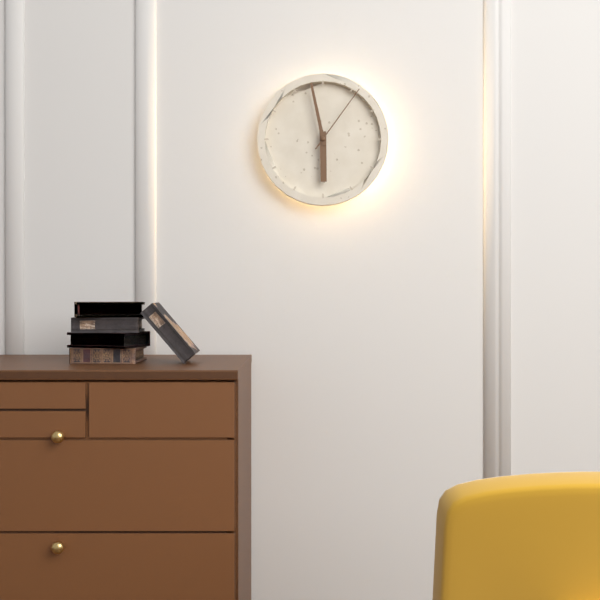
5:58:06
